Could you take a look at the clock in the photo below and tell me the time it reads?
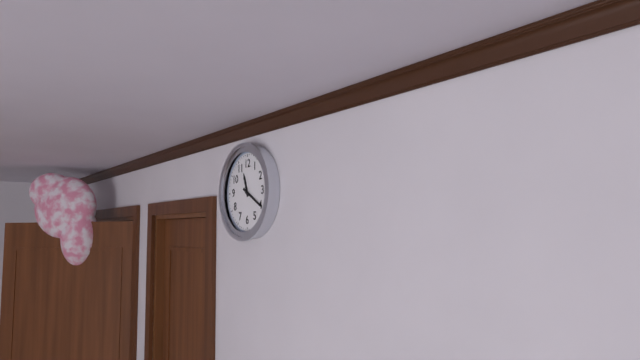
11:20
